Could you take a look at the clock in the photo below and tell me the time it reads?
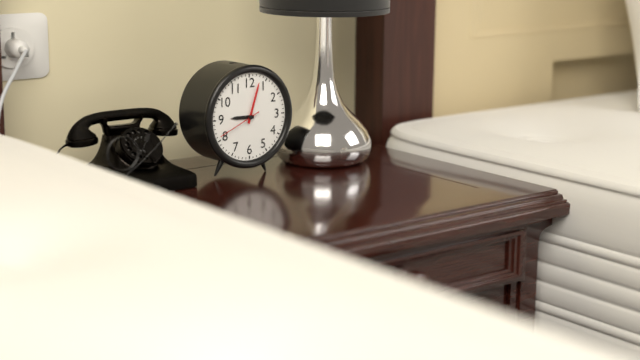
9:03
